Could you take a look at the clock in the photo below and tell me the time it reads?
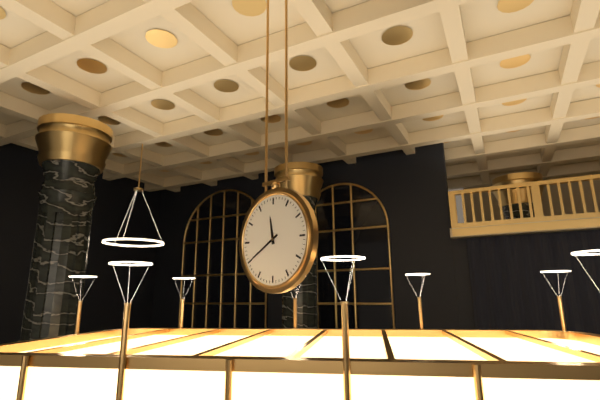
11:40
